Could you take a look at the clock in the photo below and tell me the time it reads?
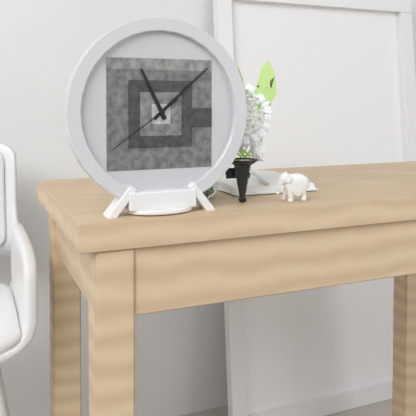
11:08:39
